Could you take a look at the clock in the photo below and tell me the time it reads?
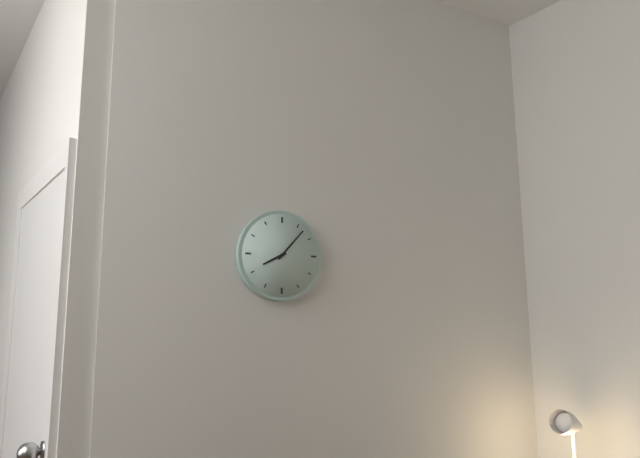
8:07
